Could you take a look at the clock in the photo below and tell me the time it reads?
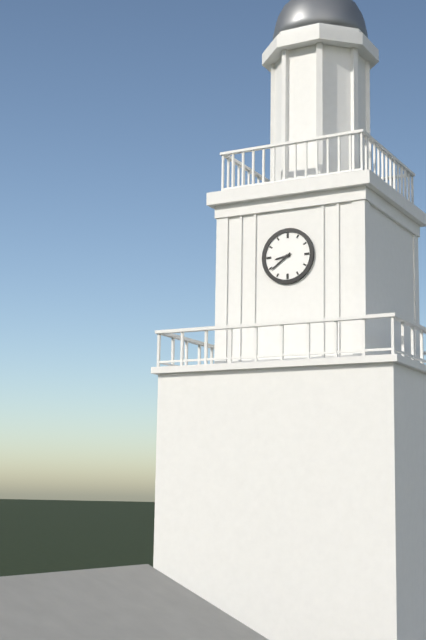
8:39
